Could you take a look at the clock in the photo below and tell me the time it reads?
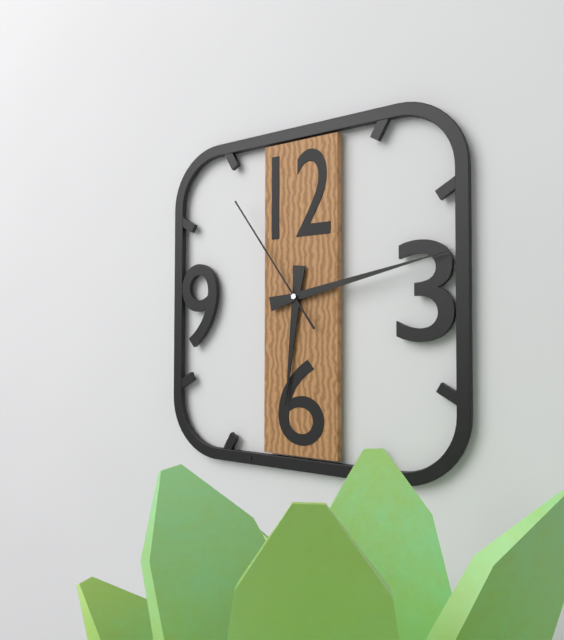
6:13:54
